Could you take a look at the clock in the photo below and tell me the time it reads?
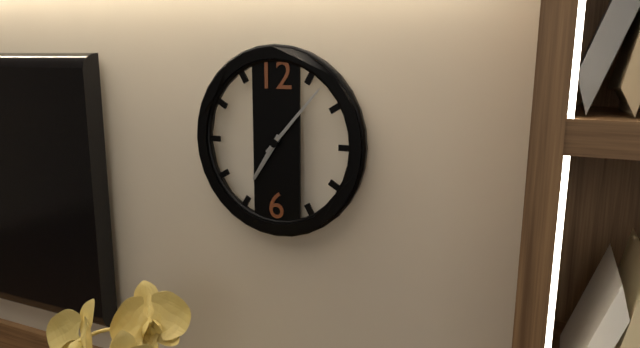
7:07
